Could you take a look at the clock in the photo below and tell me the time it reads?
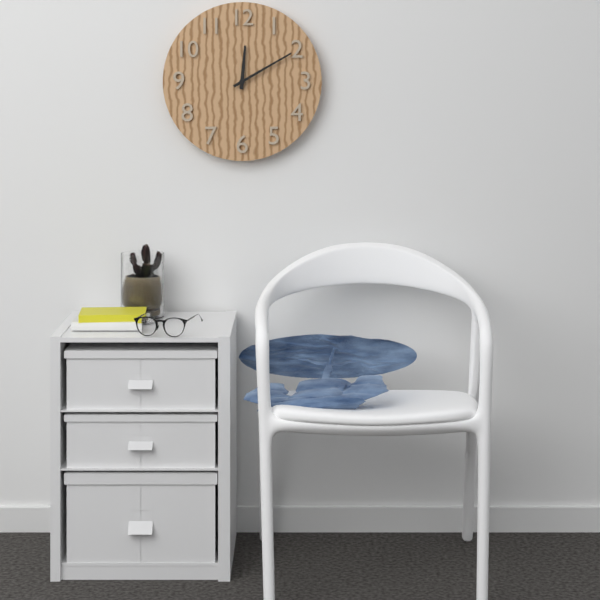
12:10
